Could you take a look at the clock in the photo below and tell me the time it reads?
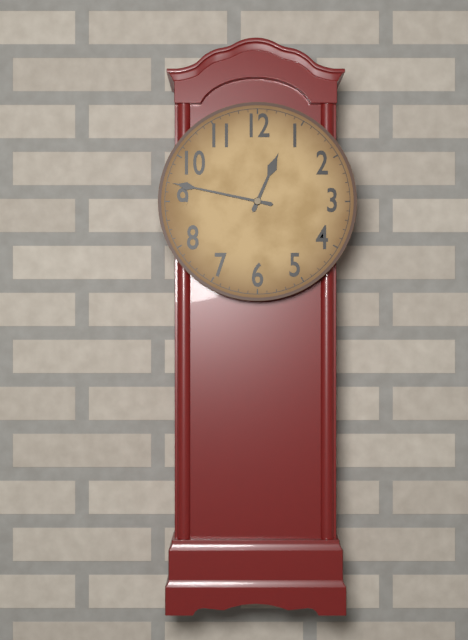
12:47
